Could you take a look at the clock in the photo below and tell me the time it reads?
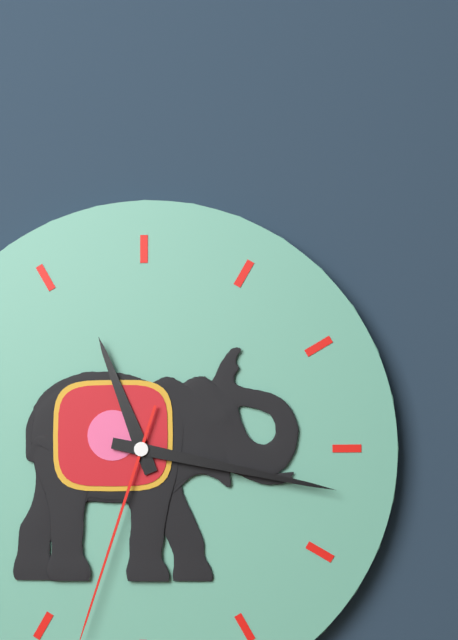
11:17
